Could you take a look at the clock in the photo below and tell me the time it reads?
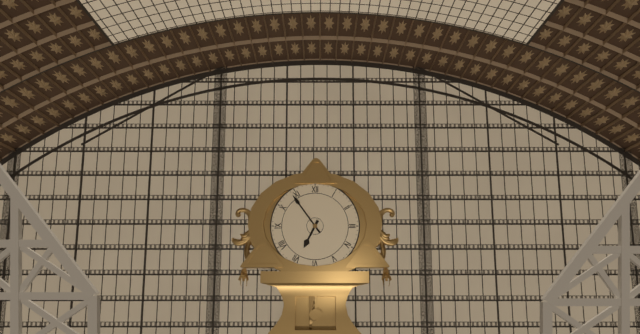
6:54
